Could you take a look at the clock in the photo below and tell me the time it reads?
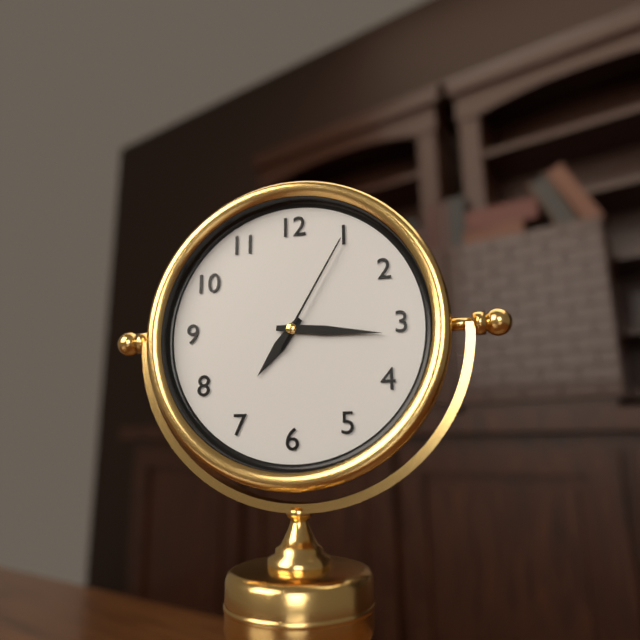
7:16:05
